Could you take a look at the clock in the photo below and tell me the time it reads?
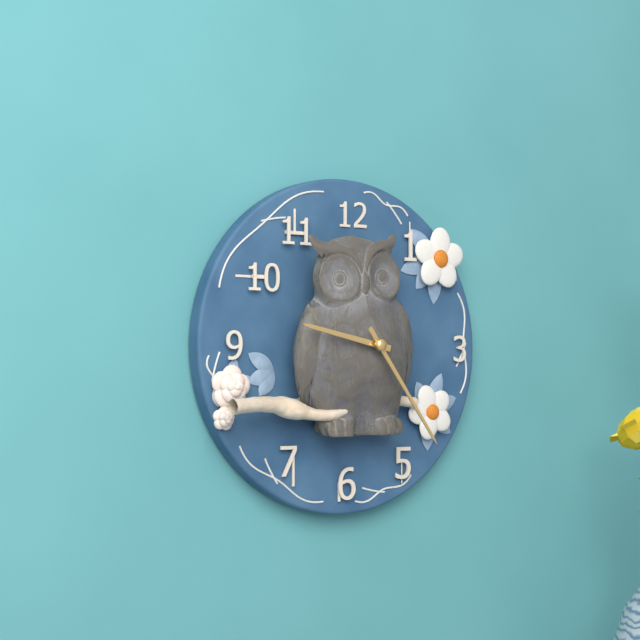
9:24
